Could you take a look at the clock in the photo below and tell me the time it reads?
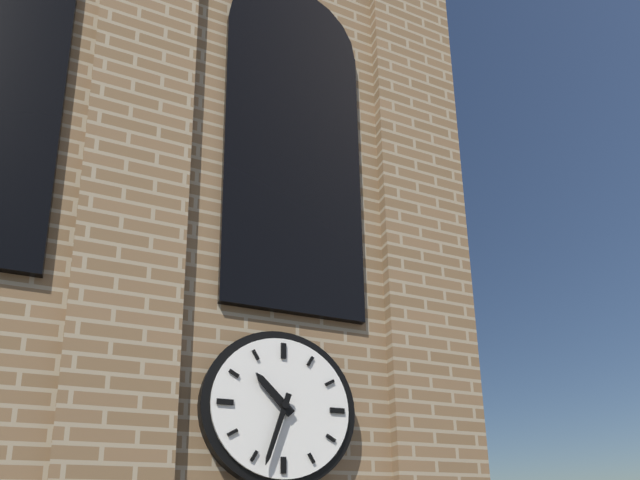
10:33
